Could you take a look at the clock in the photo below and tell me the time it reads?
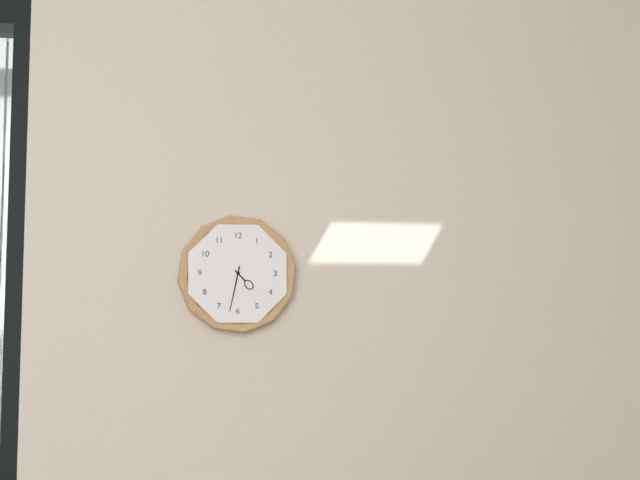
4:32
